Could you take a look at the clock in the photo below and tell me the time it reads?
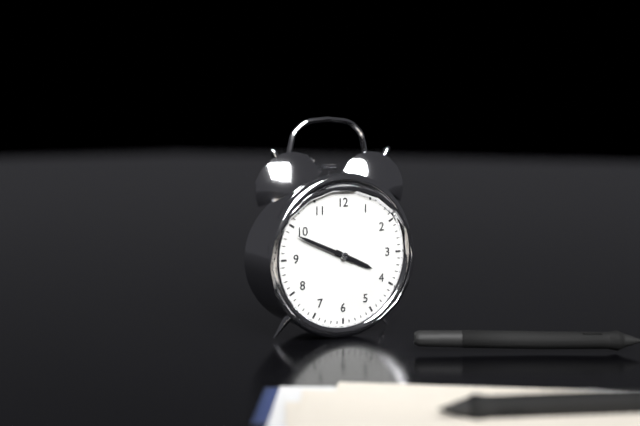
3:49
